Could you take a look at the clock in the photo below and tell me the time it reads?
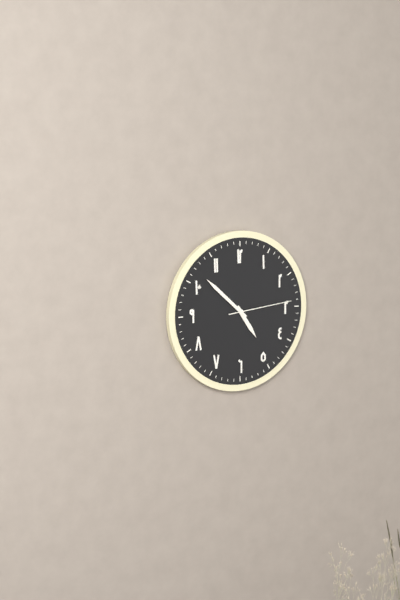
4:52:14
